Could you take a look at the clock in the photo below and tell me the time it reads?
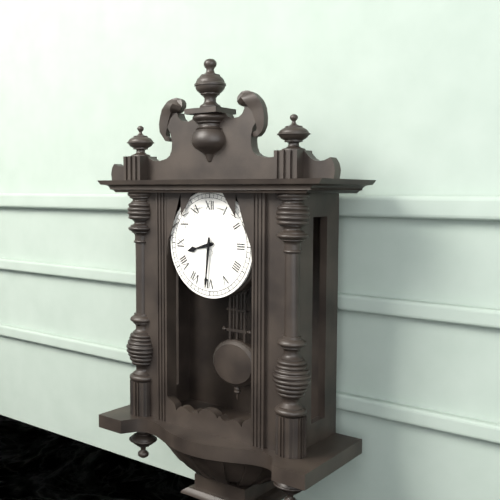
8:31
